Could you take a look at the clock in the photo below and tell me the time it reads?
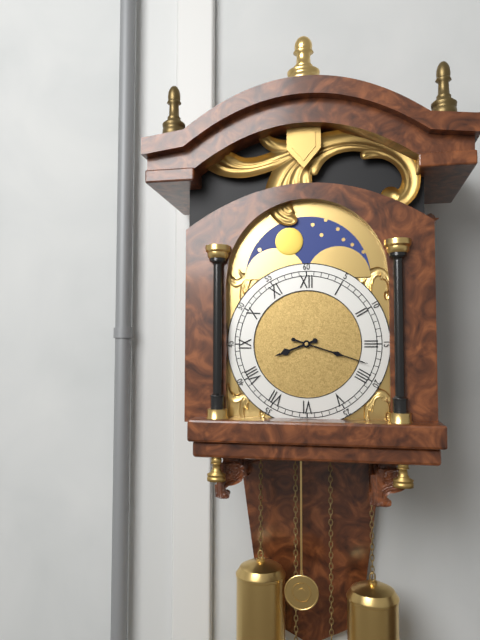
8:18
